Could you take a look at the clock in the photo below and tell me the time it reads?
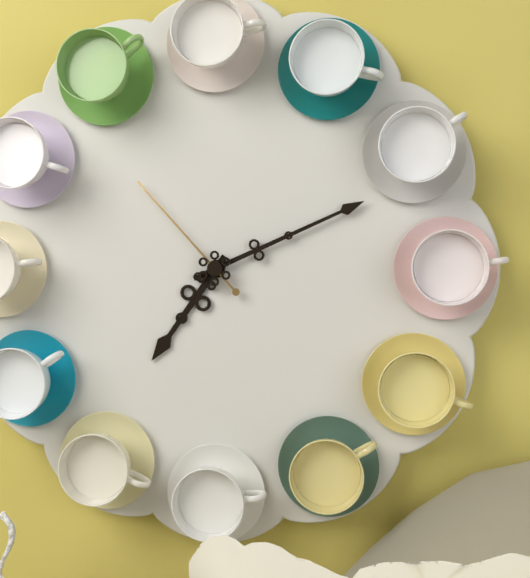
7:11:53
